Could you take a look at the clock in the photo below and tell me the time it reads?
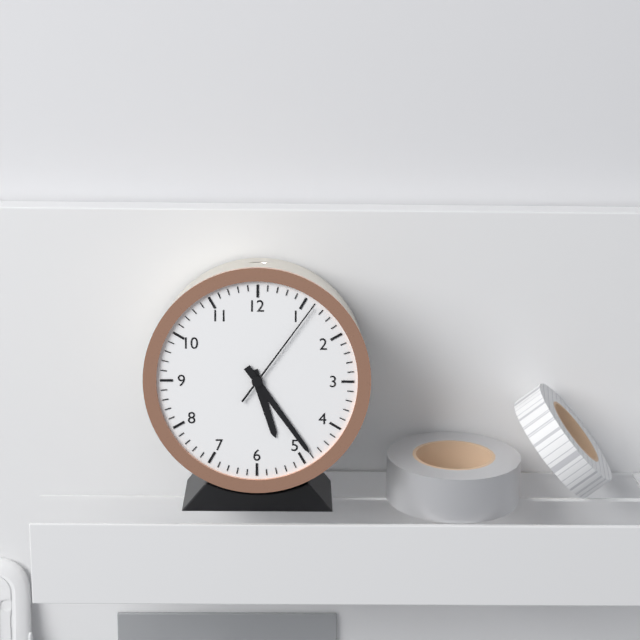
5:24:06
